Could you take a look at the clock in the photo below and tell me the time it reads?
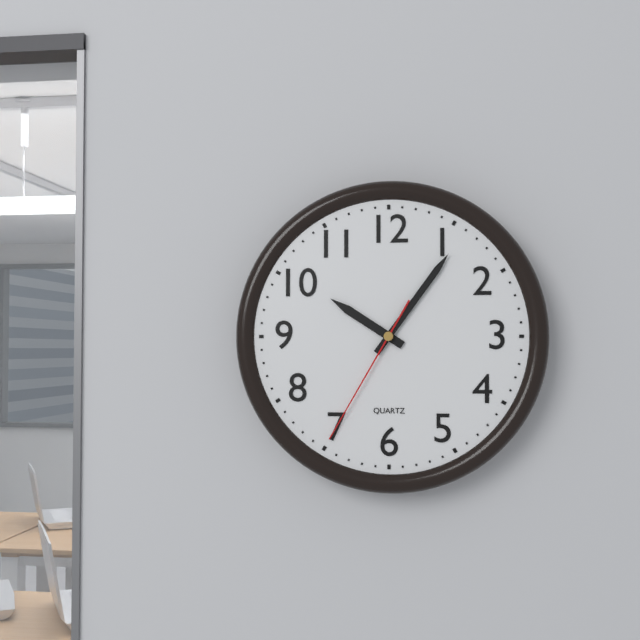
10:06:35
